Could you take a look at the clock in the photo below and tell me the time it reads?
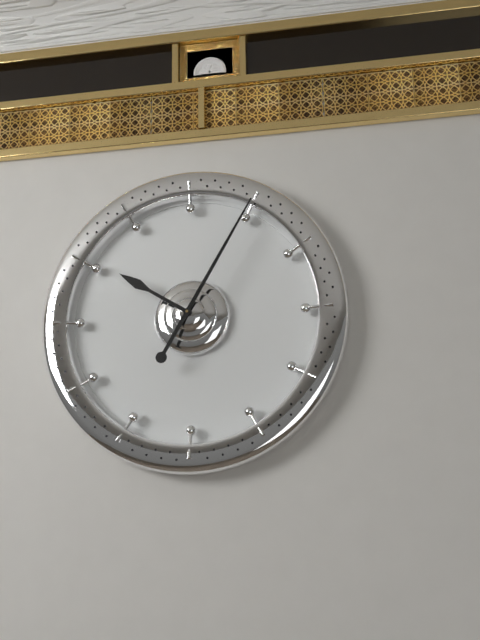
10:05
